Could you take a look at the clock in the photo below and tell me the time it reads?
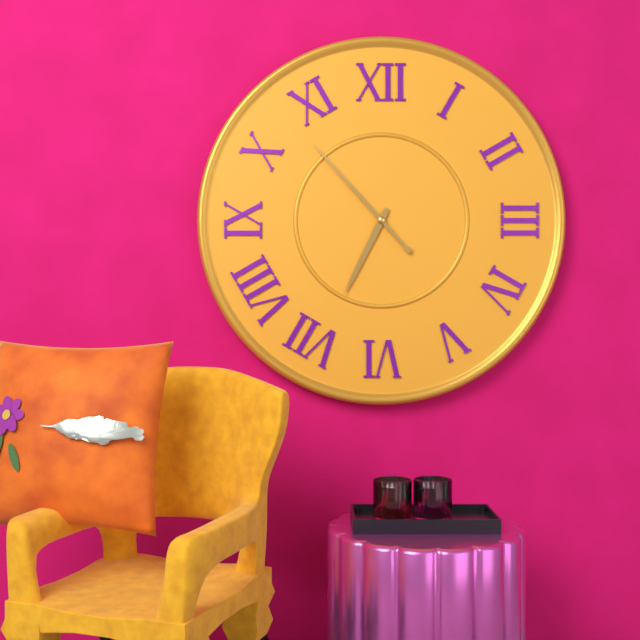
6:53
